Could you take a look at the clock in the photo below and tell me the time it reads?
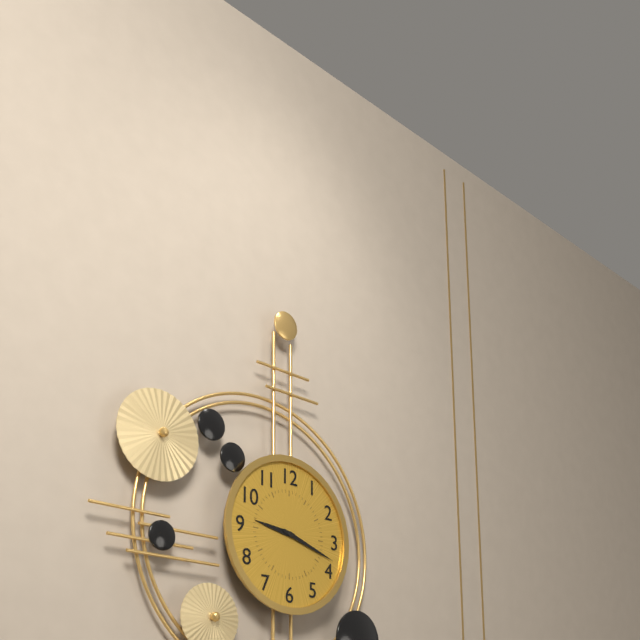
9:18
